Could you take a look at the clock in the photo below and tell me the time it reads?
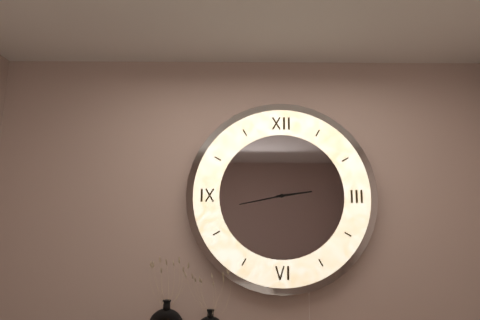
2:43
